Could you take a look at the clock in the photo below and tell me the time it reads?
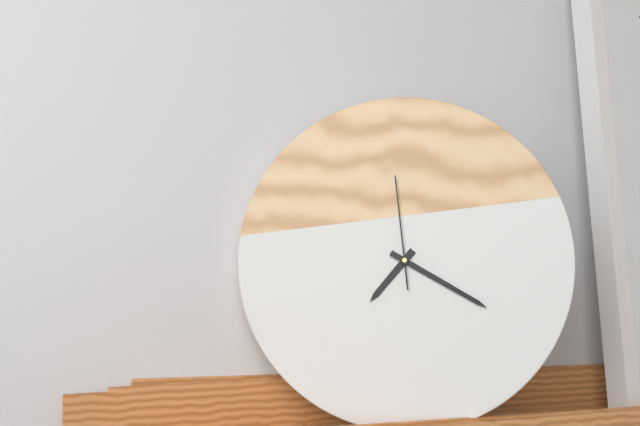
7:20:59
